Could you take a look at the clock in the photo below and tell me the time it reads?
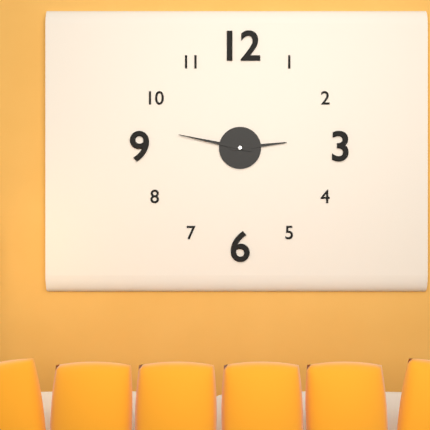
2:47
